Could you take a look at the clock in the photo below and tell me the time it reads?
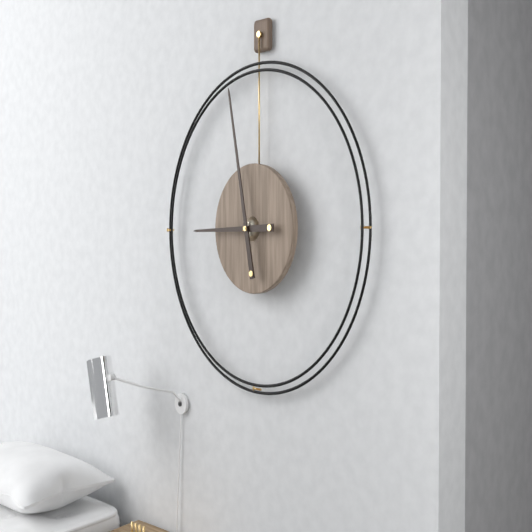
8:58
